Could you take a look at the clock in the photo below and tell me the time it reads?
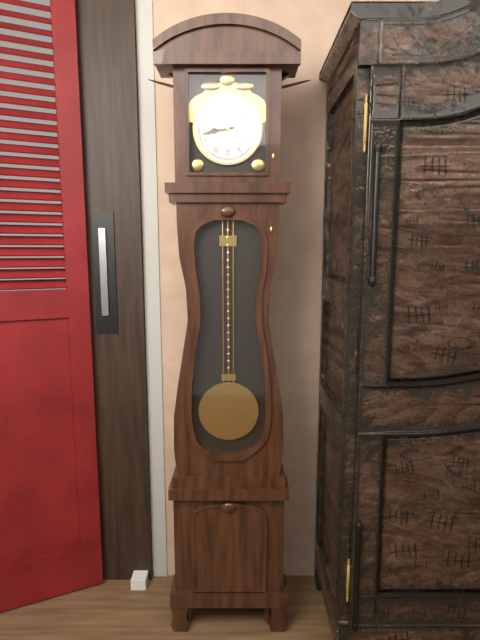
8:43
